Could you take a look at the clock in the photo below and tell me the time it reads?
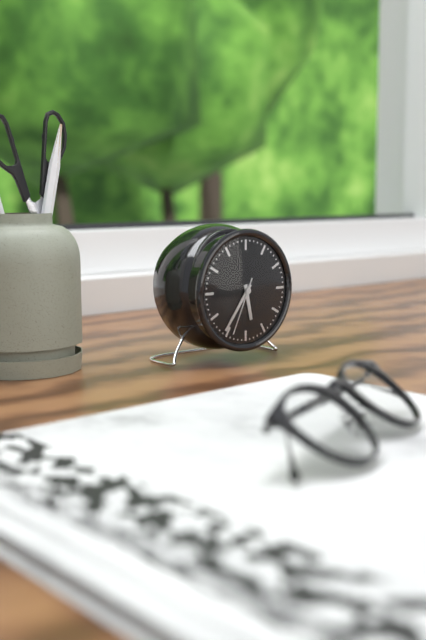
5:36:34
